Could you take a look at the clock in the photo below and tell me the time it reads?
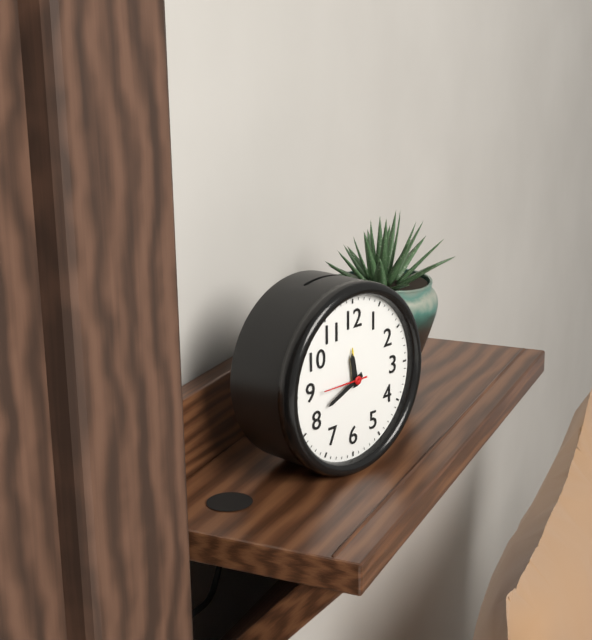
11:41
